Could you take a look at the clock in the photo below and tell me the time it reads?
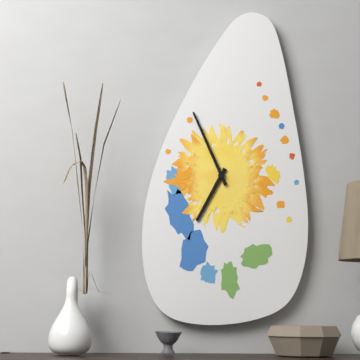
6:56
